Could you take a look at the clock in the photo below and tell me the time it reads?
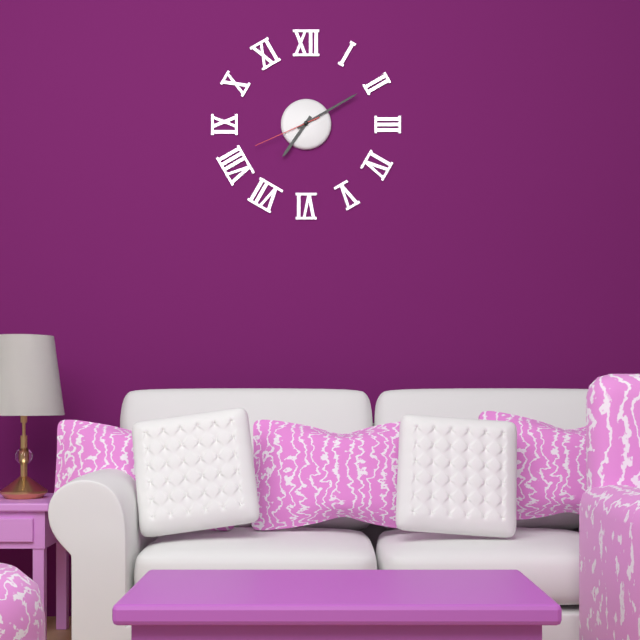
7:10:41
